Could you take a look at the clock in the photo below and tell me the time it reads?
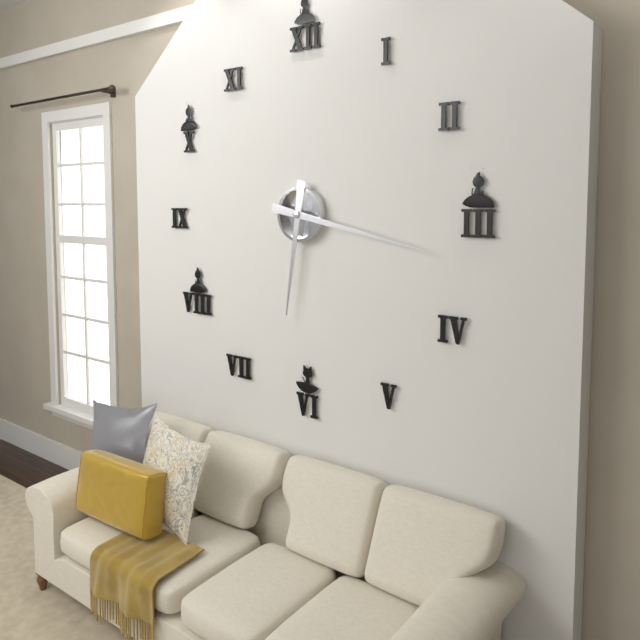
6:17
